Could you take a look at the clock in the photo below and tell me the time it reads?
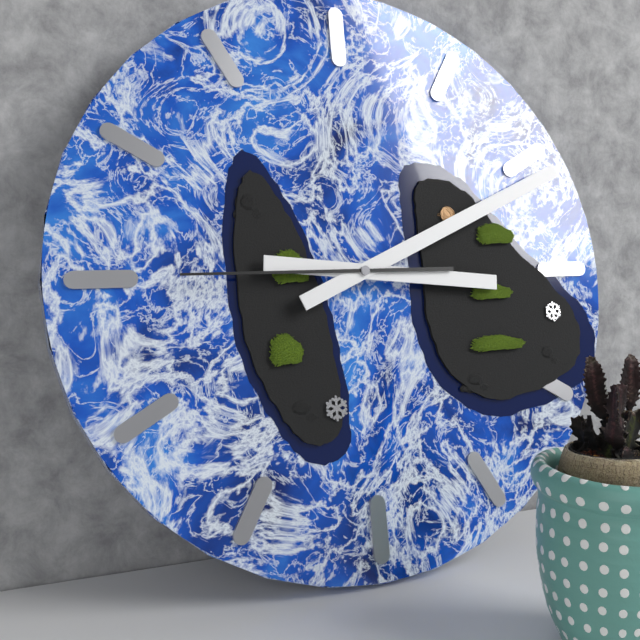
3:11:45
